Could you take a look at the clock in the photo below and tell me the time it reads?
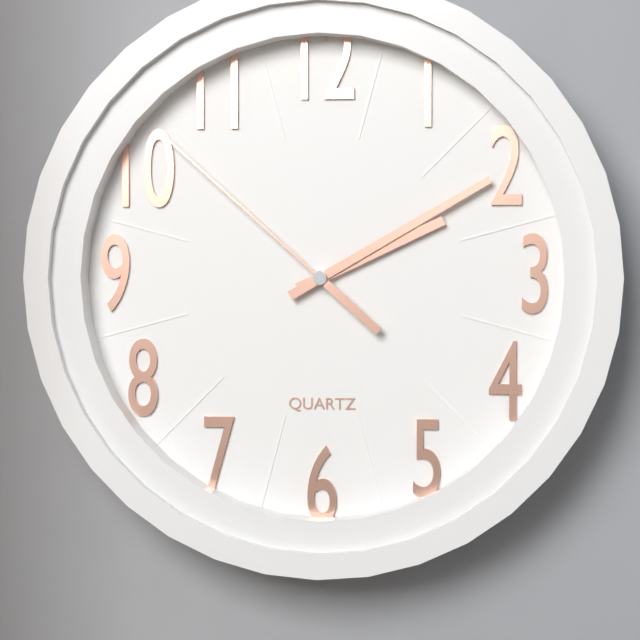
2:10:52
